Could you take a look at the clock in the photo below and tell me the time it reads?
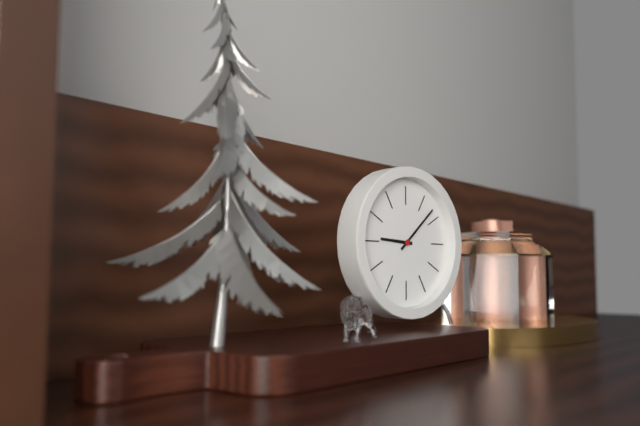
9:08
